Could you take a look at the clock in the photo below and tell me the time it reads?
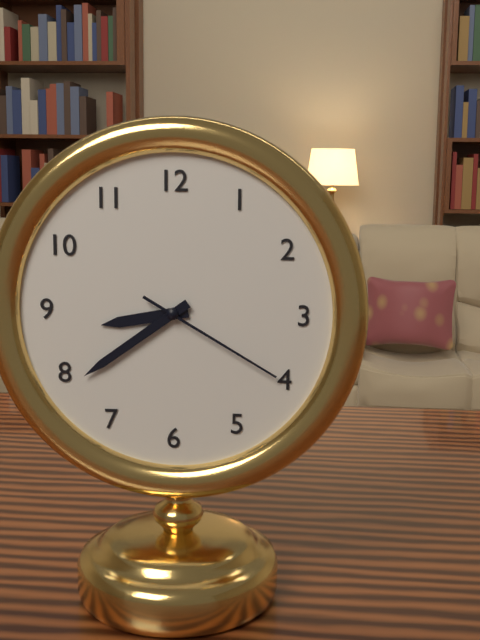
8:39:20
